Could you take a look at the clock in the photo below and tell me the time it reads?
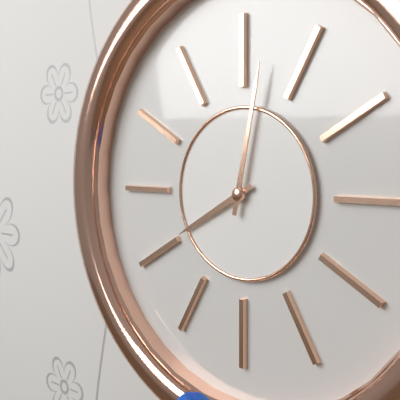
8:02
